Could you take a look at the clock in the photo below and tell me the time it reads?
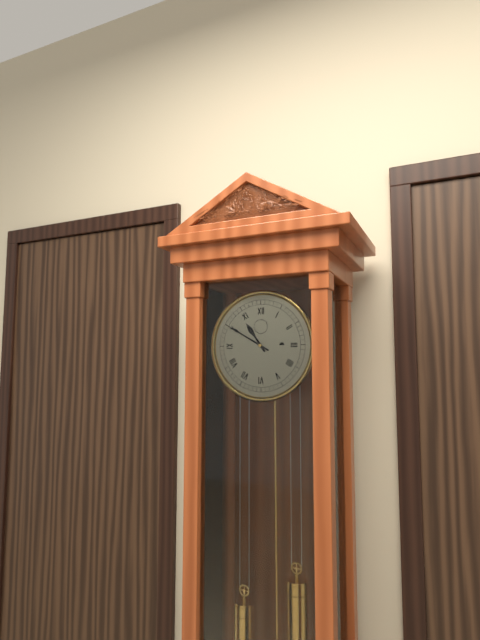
10:50
